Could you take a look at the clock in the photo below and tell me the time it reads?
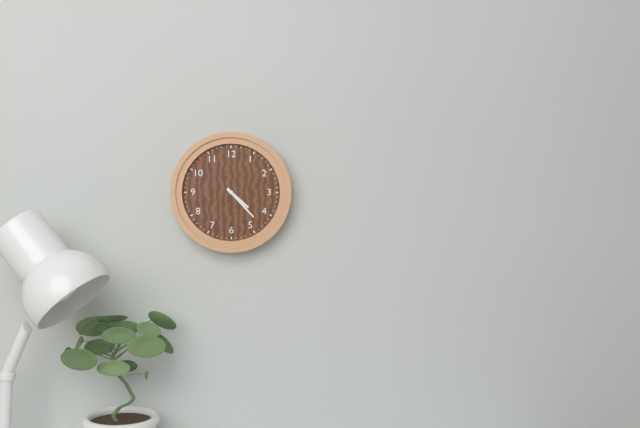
4:23
